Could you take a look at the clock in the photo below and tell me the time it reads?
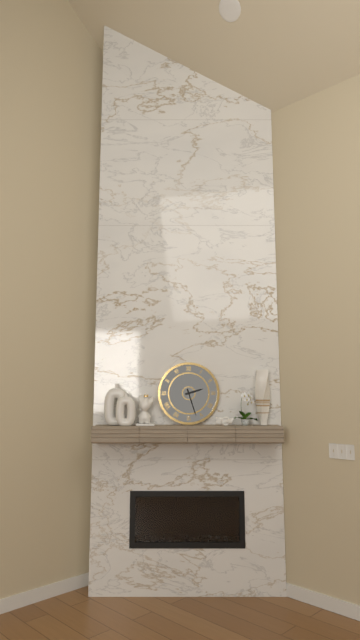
2:27
